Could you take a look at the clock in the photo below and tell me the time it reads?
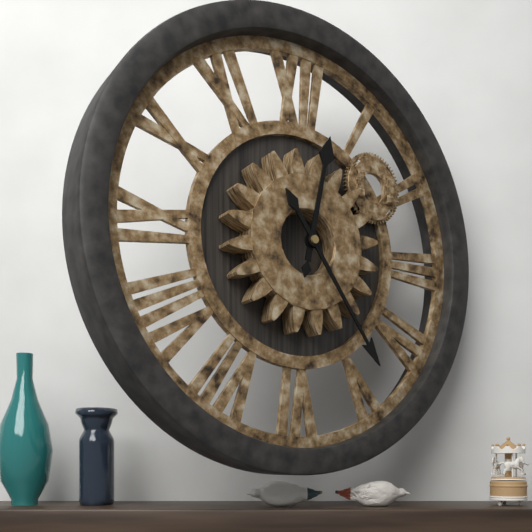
12:24
